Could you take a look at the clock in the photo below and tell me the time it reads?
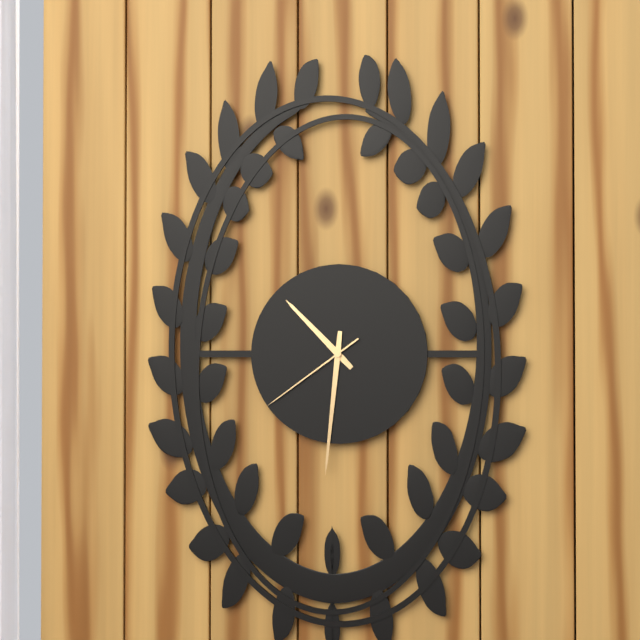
10:31:39
